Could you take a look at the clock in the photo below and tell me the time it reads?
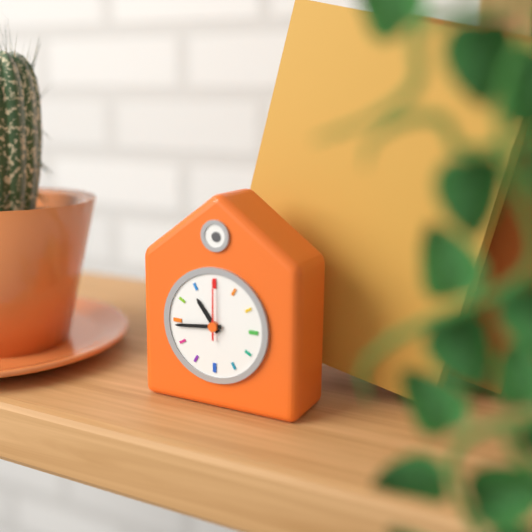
10:44:00
